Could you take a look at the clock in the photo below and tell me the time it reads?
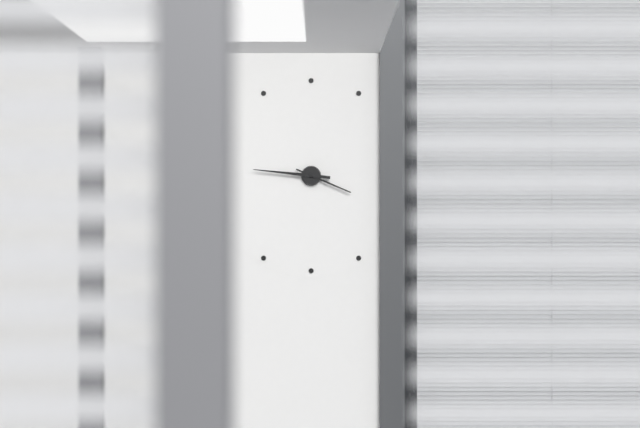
3:46
